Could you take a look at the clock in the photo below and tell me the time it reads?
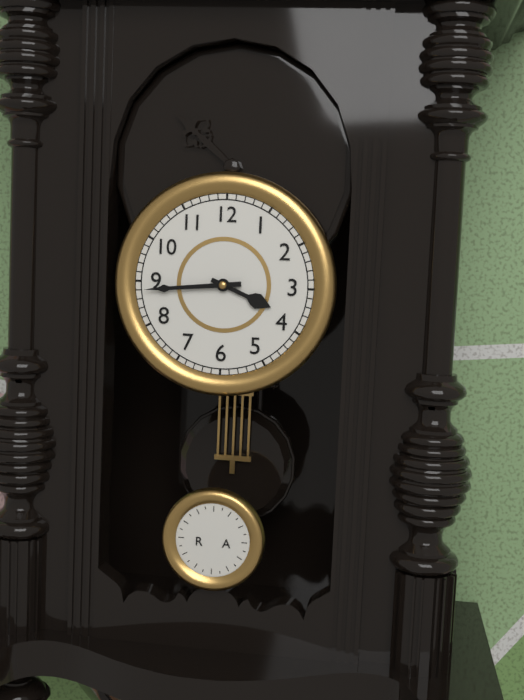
3:44
